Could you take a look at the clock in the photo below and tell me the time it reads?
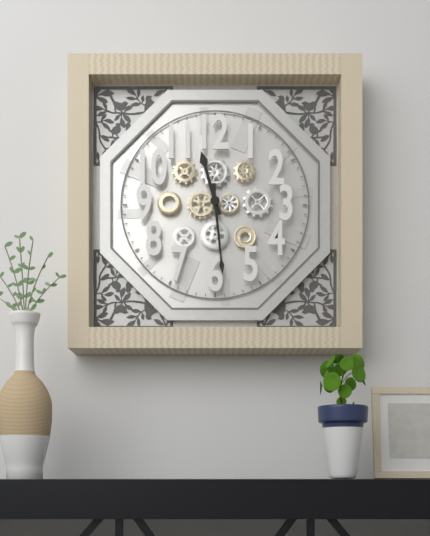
11:29
